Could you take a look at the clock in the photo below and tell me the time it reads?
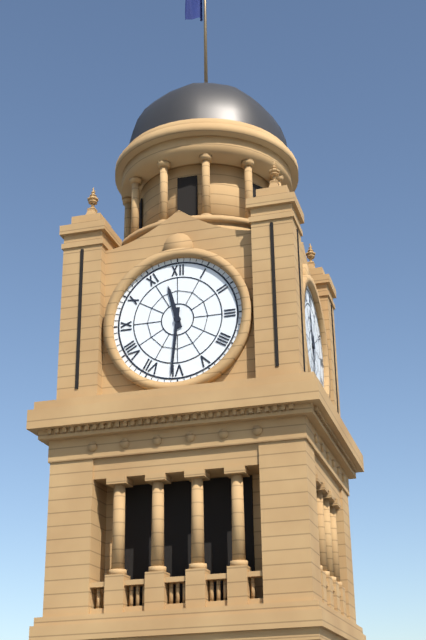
11:31
